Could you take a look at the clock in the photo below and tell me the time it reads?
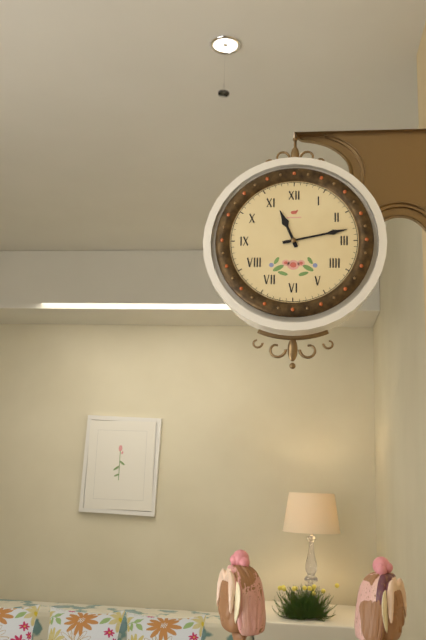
11:13
